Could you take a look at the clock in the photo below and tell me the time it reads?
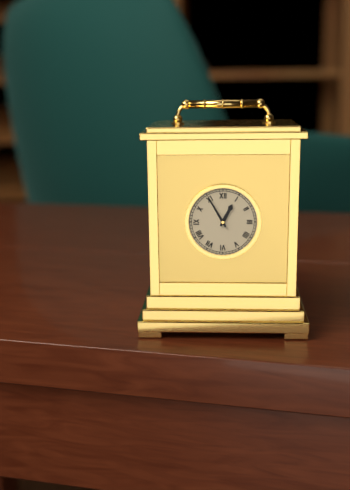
12:55
